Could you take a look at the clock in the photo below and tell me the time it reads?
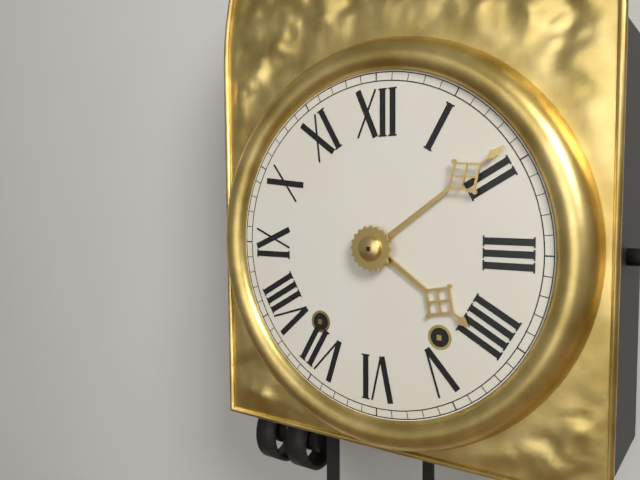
4:09
